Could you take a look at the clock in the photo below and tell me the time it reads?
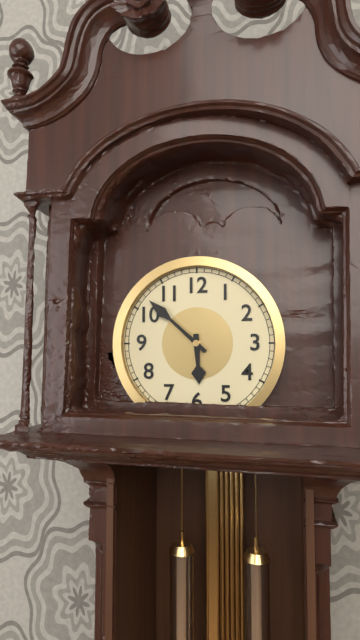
5:52
